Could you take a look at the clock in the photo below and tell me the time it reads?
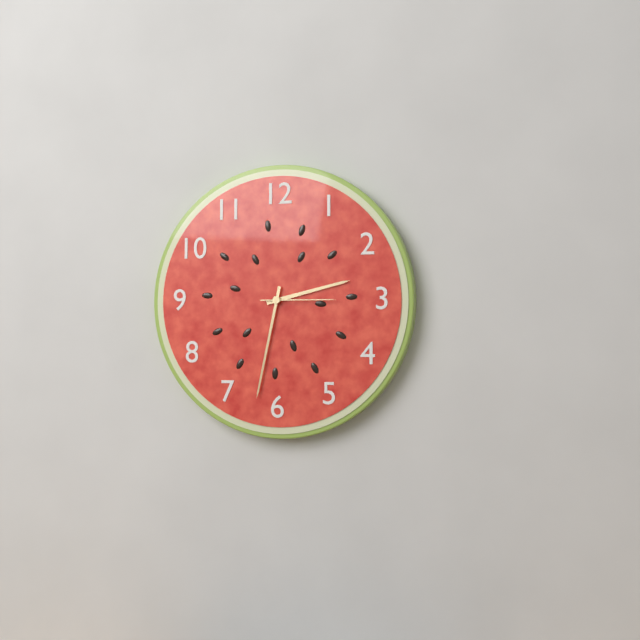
2:32:15
